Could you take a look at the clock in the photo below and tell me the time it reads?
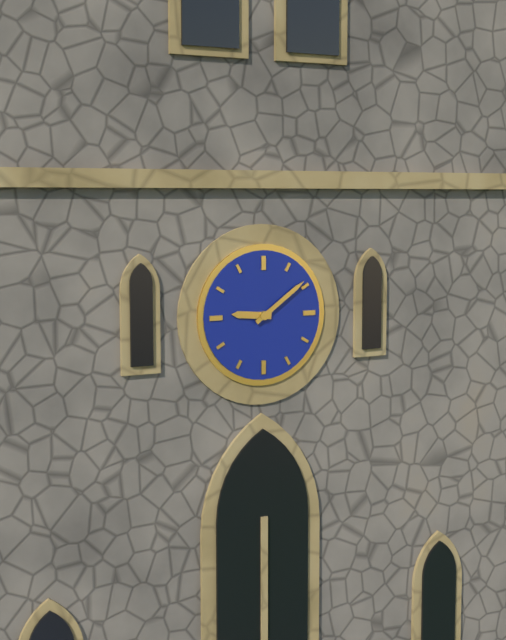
9:09
